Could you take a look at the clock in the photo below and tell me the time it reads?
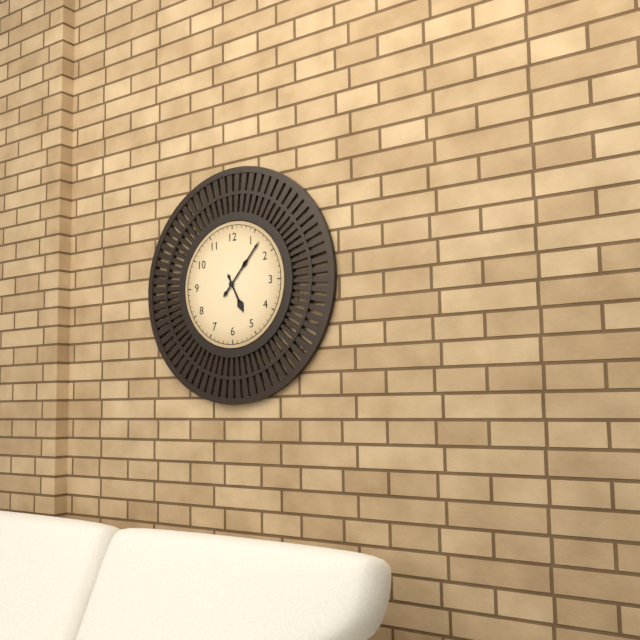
5:07
